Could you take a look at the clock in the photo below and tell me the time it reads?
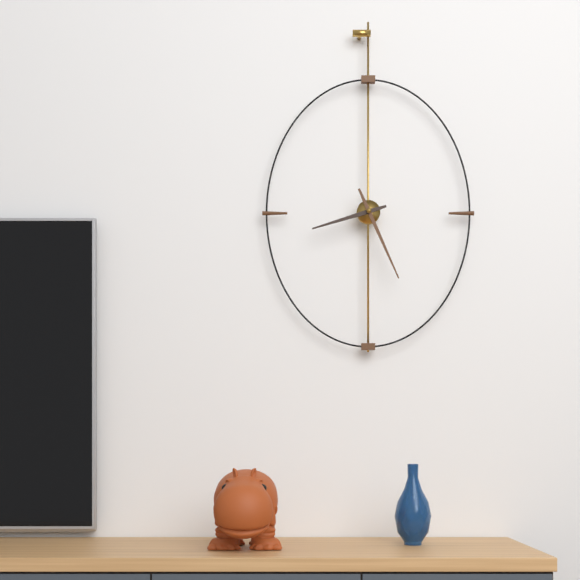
8:26
